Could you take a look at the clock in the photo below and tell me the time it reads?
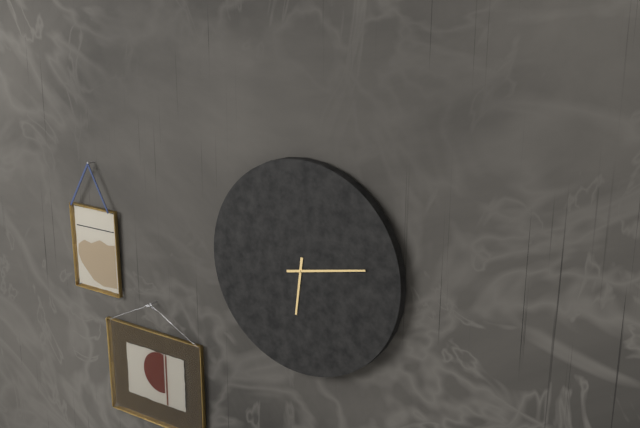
6:13
